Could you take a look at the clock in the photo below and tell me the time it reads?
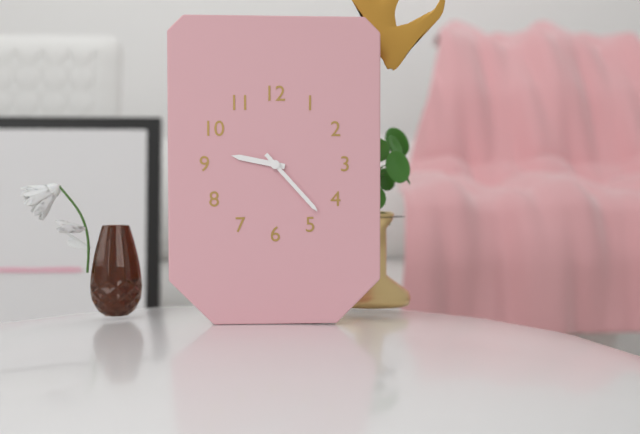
9:23
